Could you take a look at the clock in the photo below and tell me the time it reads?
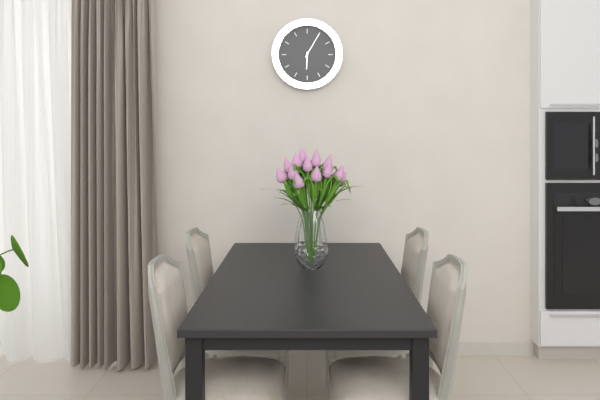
6:05
